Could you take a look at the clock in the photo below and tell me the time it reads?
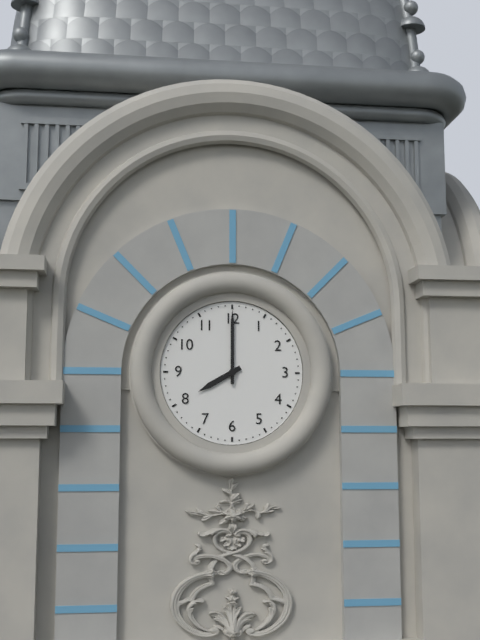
8:00
